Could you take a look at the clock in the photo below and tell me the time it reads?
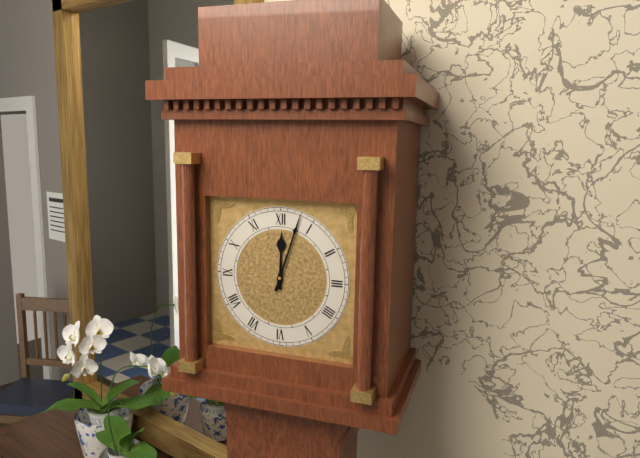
12:03
